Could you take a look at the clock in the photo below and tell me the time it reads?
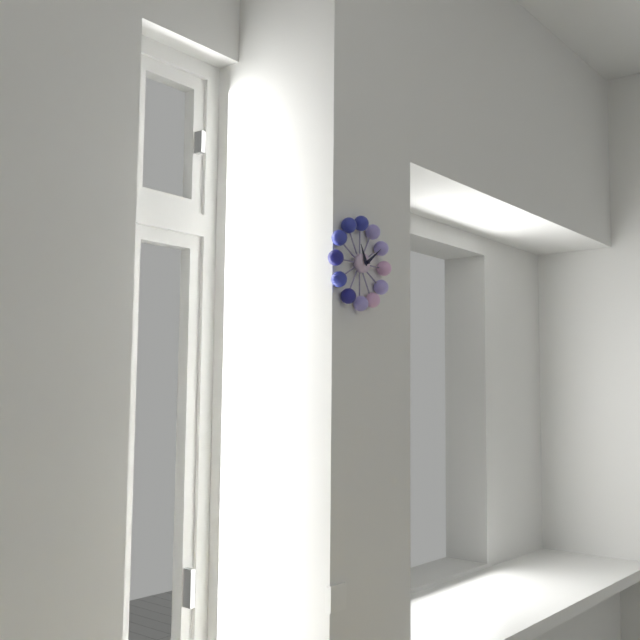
11:09
